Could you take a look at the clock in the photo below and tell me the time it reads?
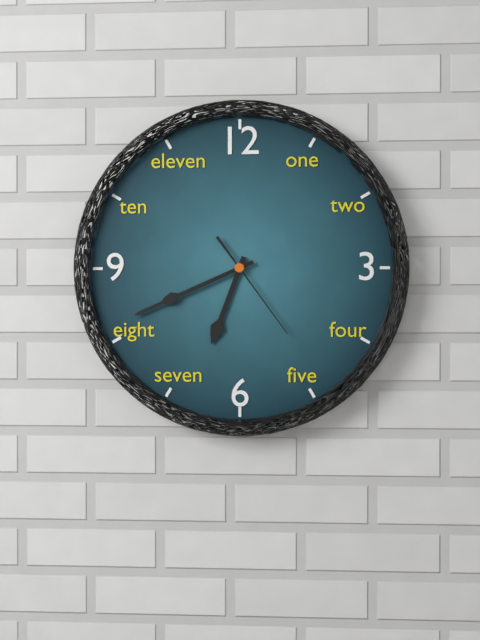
6:41:24
